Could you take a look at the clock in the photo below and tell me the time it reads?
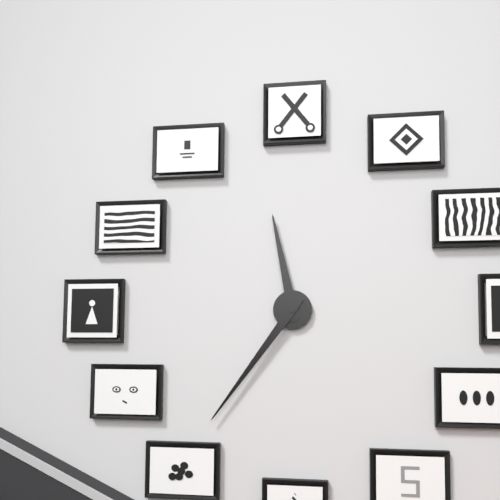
11:36
